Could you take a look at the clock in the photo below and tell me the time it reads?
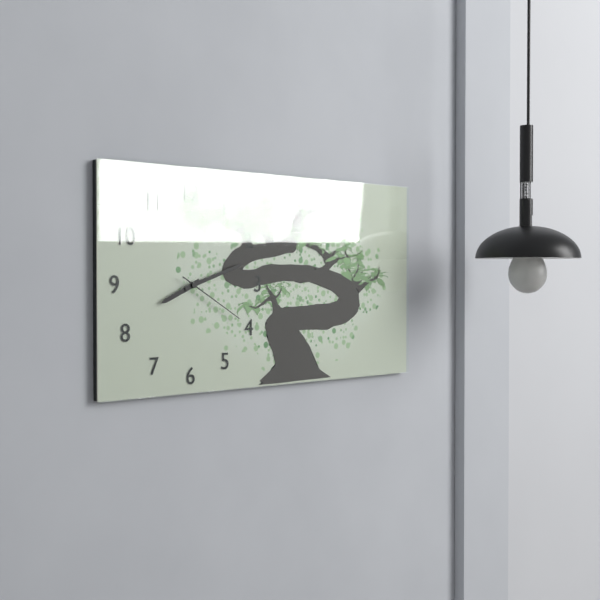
8:12:20
